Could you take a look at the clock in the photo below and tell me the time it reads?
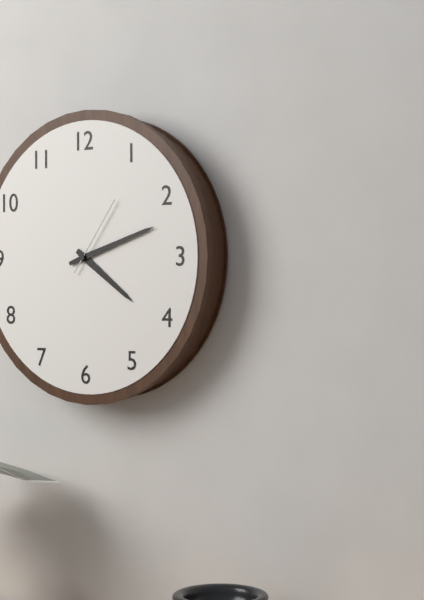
4:12:06
